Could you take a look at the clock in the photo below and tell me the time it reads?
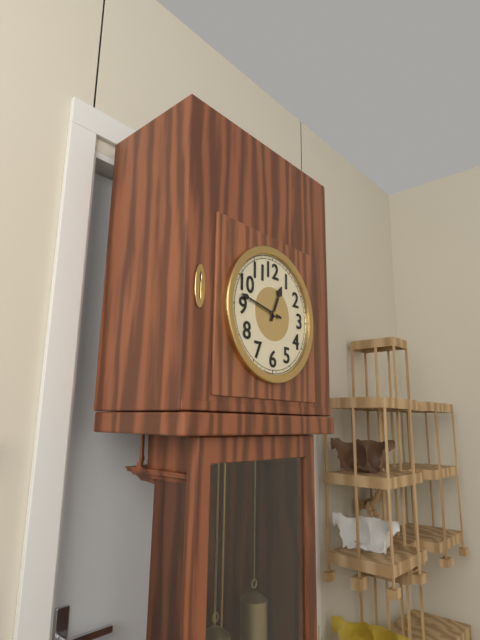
12:47
